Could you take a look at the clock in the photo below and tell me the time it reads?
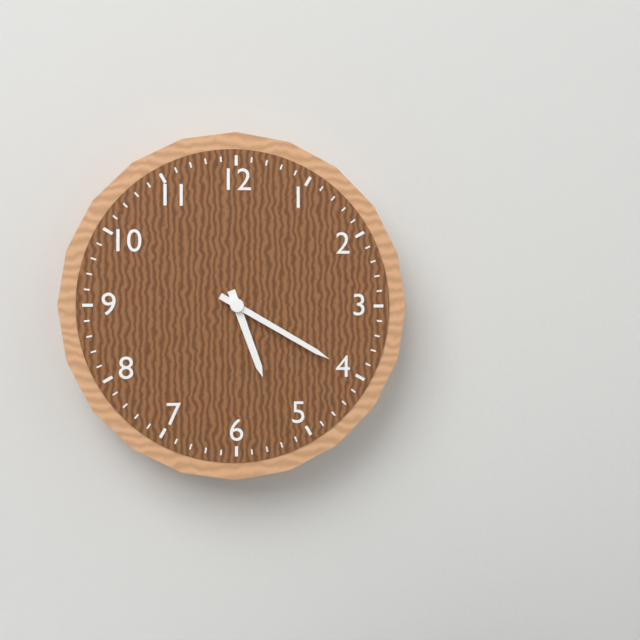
5:20
